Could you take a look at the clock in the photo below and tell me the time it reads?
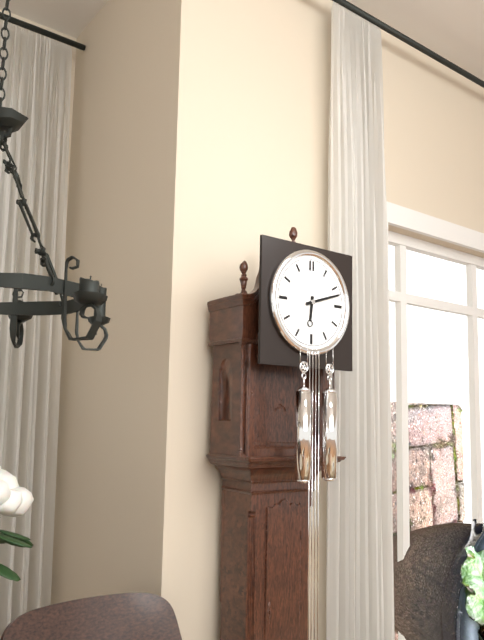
6:12
